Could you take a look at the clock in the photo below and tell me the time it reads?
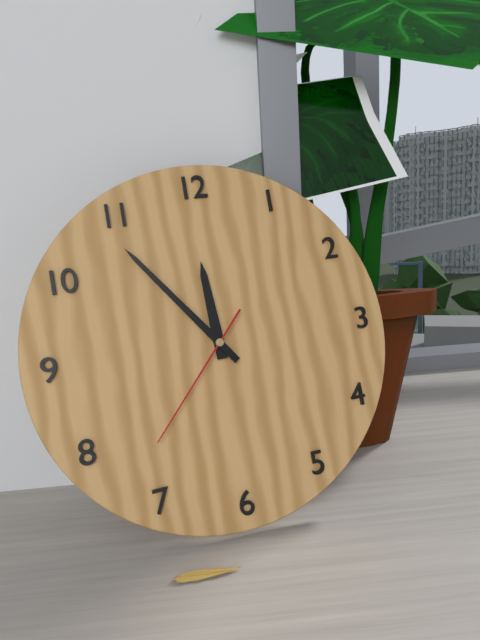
11:54:37
